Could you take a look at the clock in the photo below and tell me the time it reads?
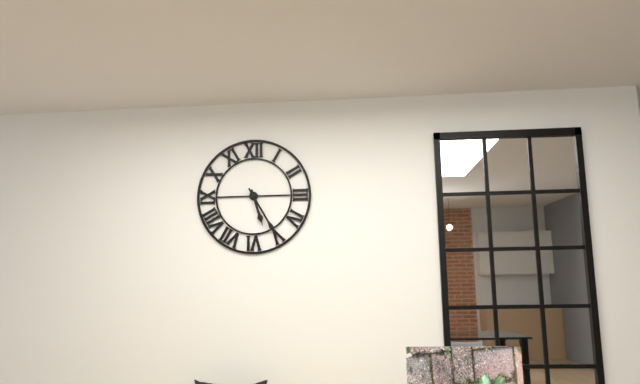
5:25
